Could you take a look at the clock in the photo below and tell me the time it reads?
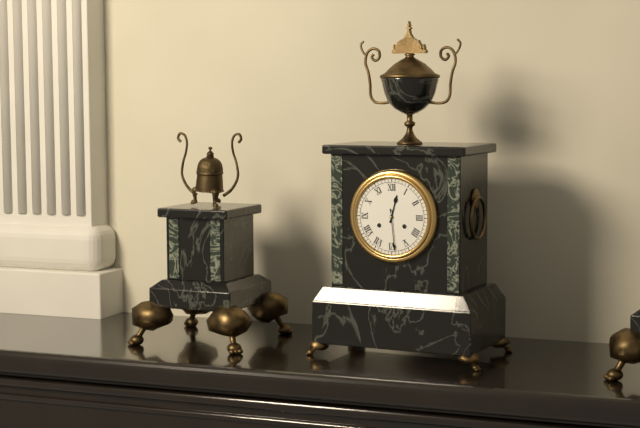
12:29
